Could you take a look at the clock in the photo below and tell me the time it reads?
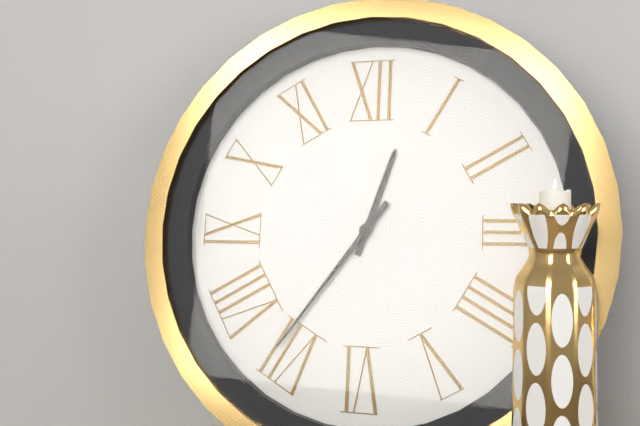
12:36
